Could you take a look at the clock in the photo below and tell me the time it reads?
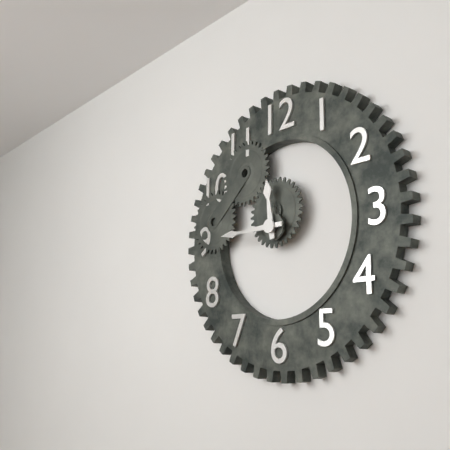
11:45
